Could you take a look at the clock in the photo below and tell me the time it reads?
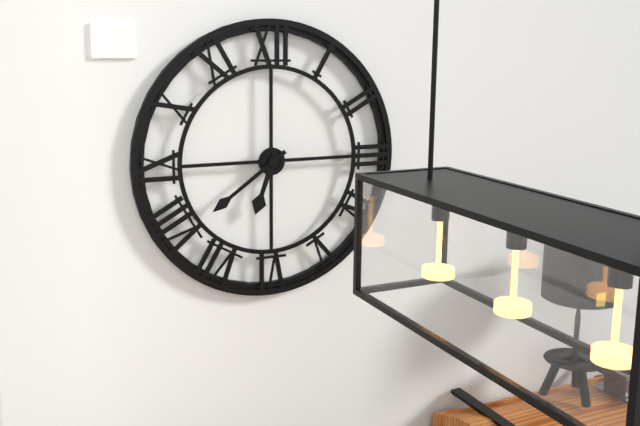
6:39
